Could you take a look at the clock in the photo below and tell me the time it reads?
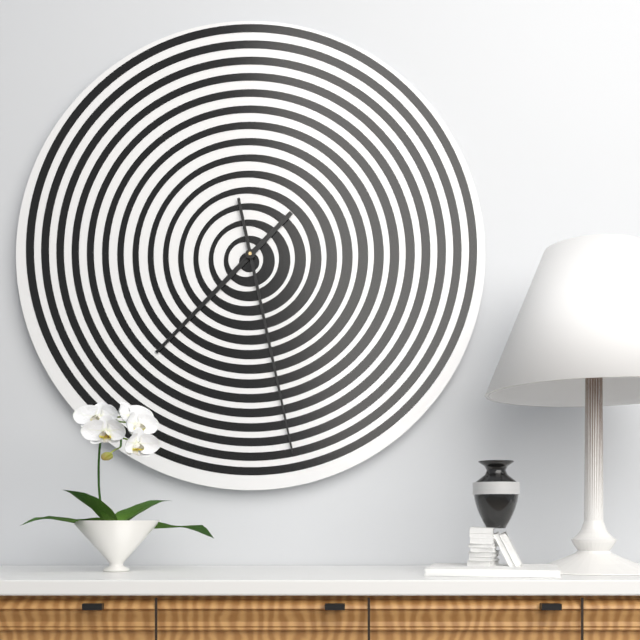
7:28
